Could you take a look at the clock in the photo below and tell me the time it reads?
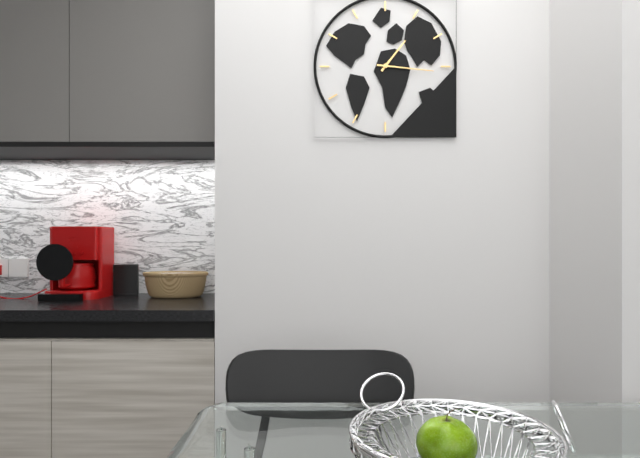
1:16
